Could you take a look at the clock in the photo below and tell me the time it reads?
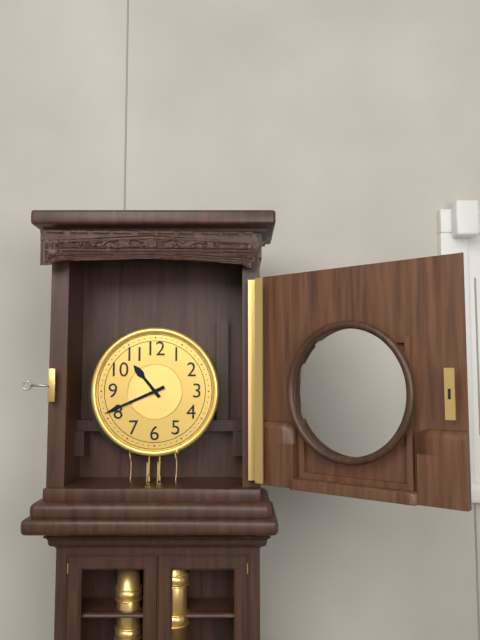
10:41
